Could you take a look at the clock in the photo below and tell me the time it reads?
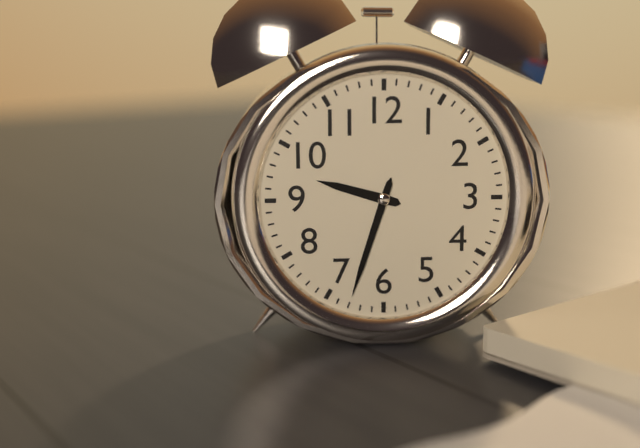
9:33
